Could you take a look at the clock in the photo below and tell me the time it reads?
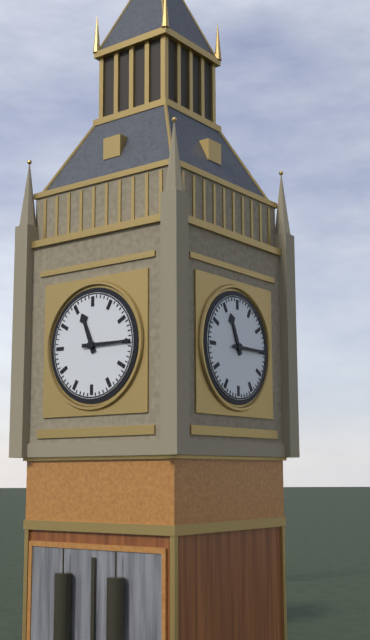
11:15
